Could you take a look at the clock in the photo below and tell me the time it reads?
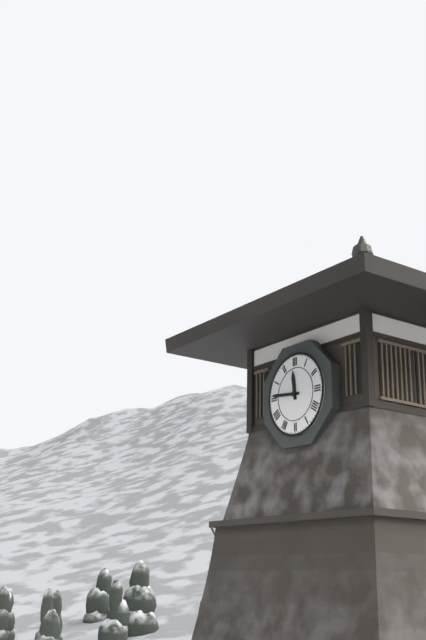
11:46
